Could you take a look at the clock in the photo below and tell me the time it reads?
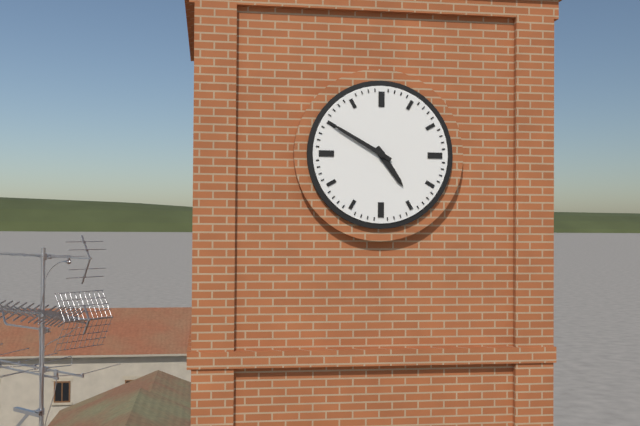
4:50
